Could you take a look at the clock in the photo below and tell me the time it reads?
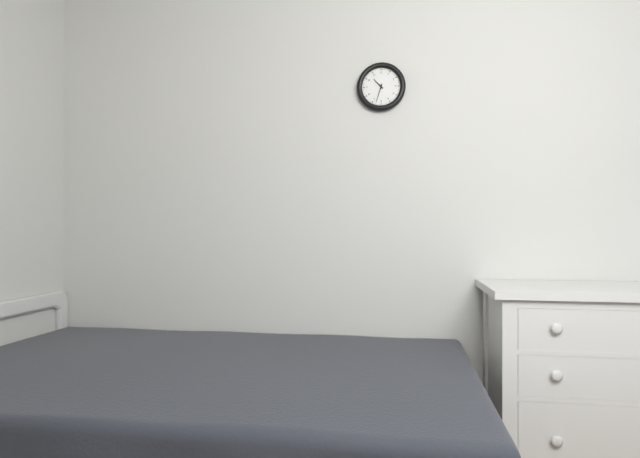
10:33
